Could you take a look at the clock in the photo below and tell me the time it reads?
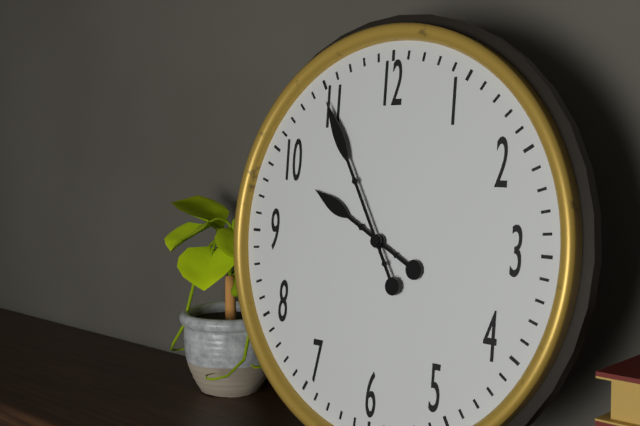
9:55
